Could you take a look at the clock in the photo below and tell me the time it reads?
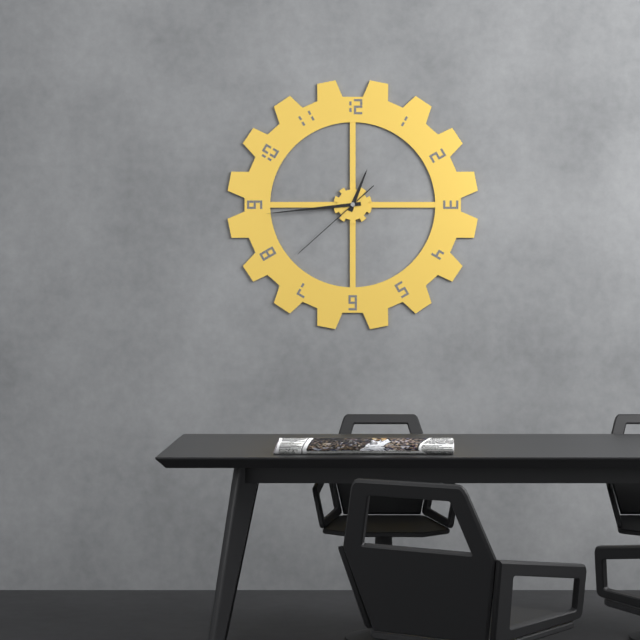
12:44:38
